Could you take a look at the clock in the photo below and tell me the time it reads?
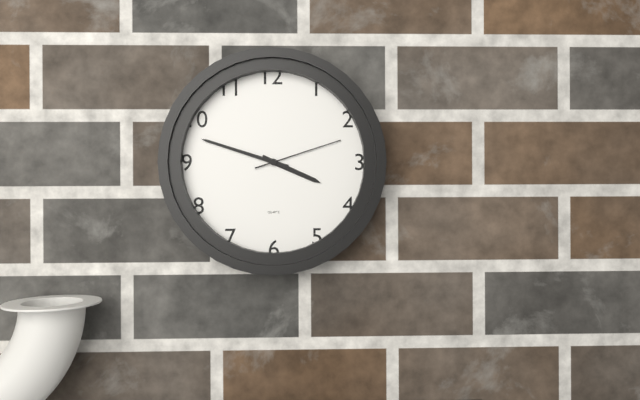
3:48:12
